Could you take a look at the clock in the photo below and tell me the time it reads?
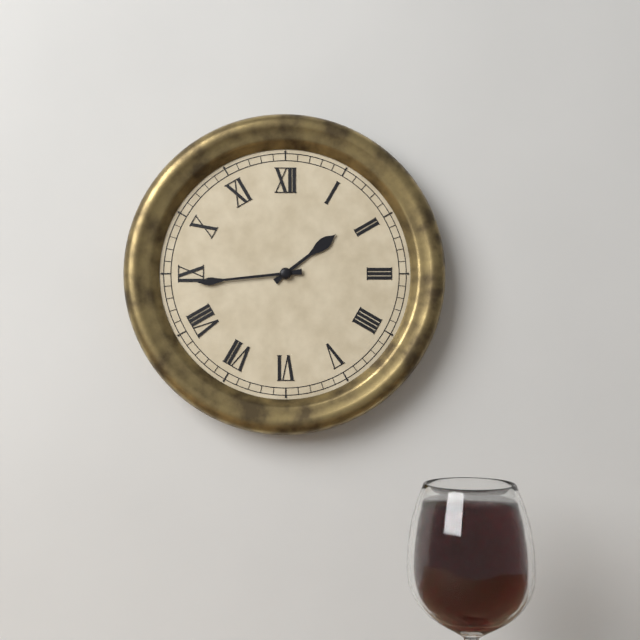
1:44
